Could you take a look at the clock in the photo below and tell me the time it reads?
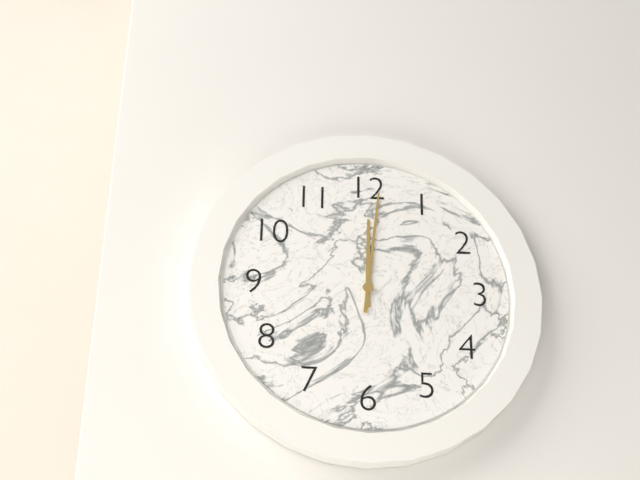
12:01
